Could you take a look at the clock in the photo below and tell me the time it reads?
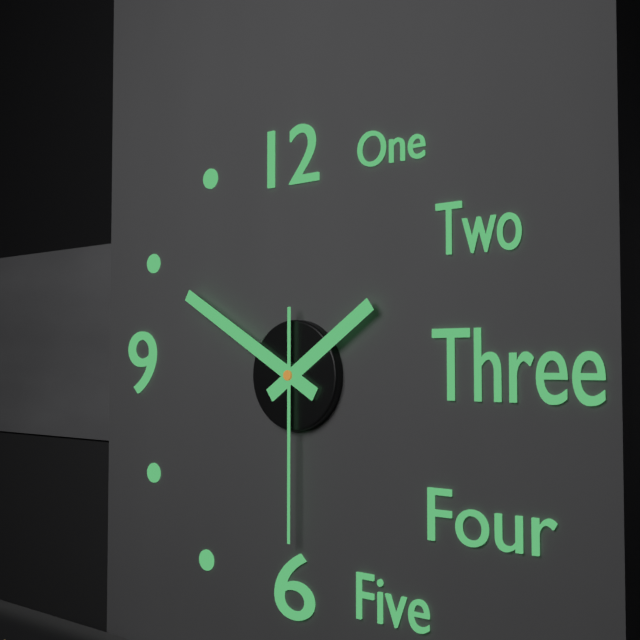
1:50:30
